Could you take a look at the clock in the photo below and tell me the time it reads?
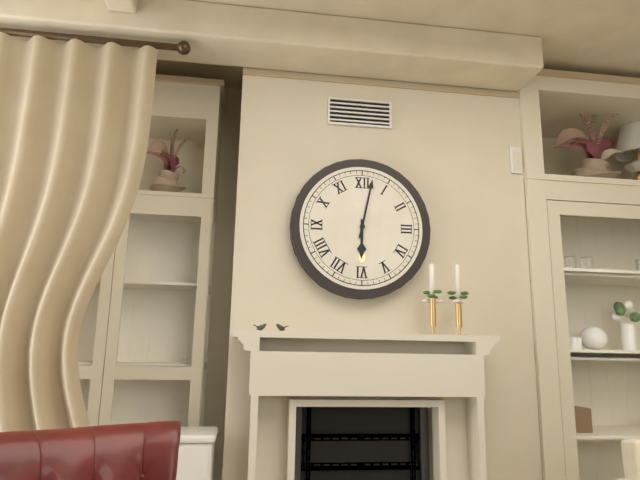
6:02
